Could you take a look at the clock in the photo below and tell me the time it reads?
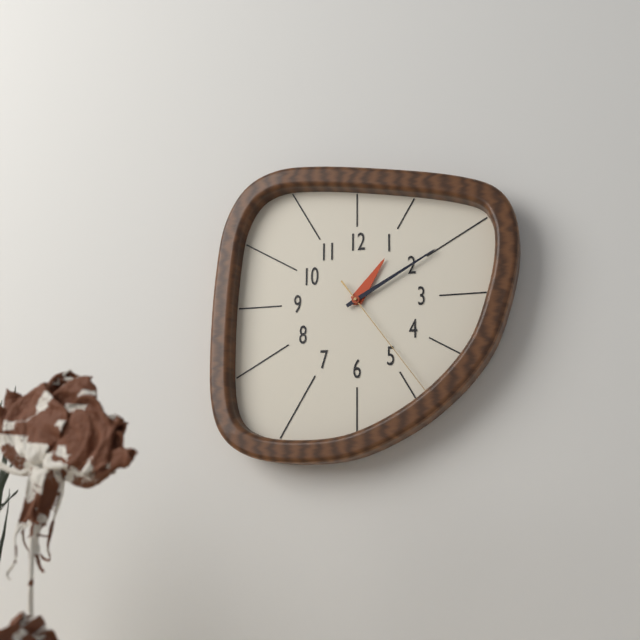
1:10:24
